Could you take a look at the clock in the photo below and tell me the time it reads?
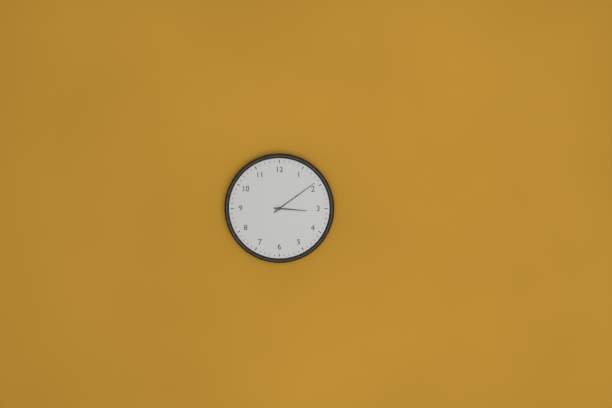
3:09
